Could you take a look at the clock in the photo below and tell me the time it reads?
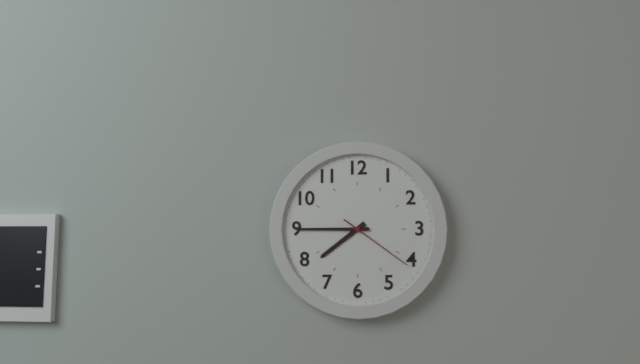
7:45:21
